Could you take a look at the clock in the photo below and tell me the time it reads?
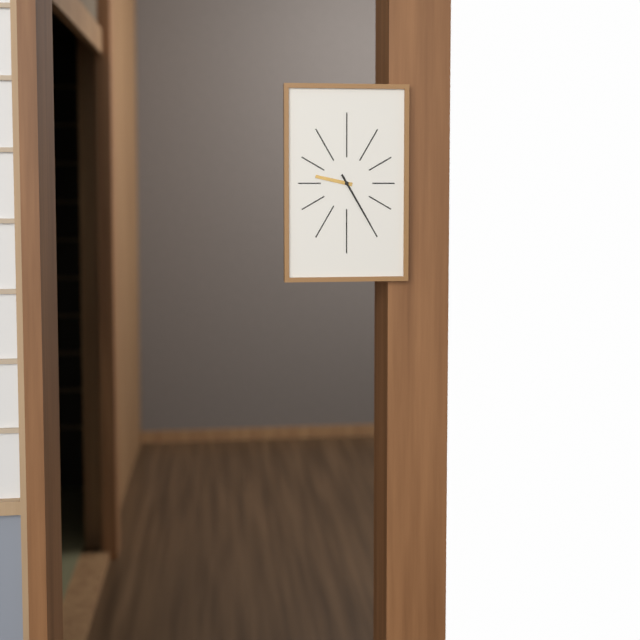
9:25
